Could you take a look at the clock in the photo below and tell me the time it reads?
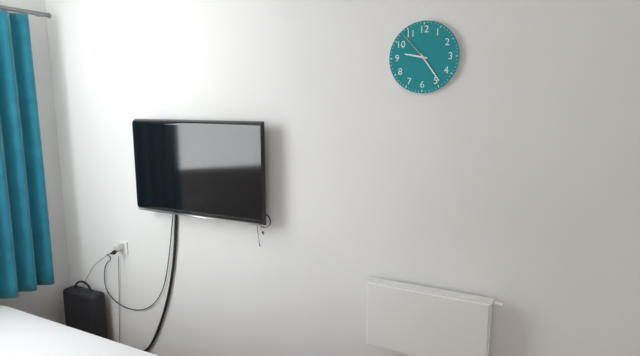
9:24
